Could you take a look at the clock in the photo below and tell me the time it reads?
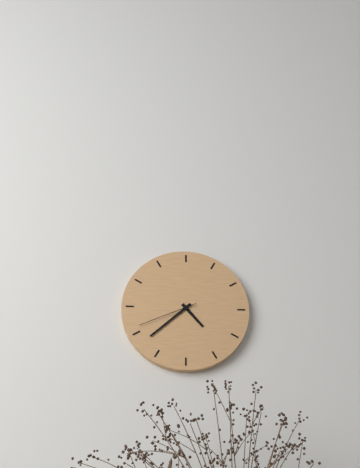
4:38:41
